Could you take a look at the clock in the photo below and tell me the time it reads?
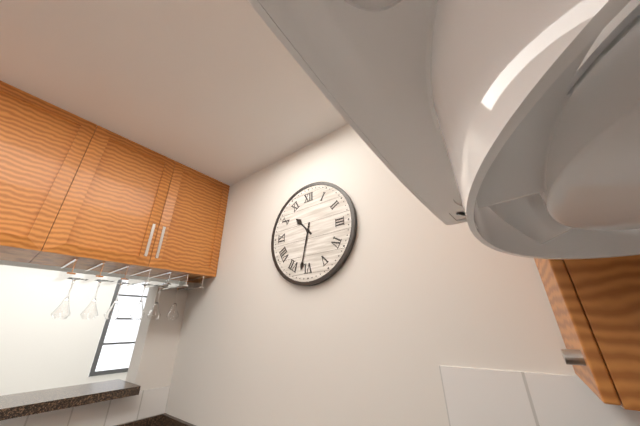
10:32
